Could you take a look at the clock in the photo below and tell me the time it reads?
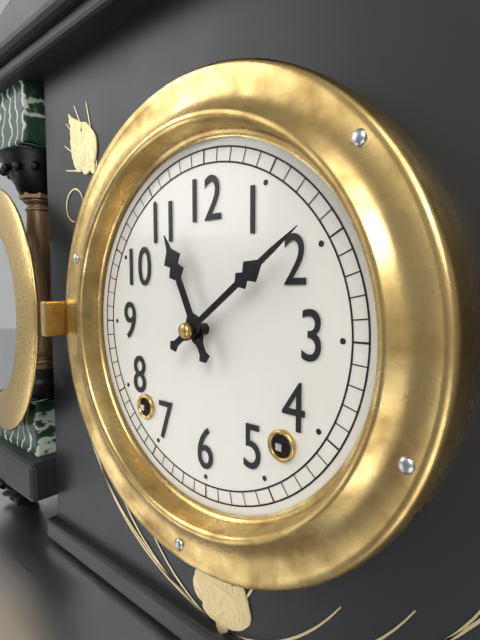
11:09
